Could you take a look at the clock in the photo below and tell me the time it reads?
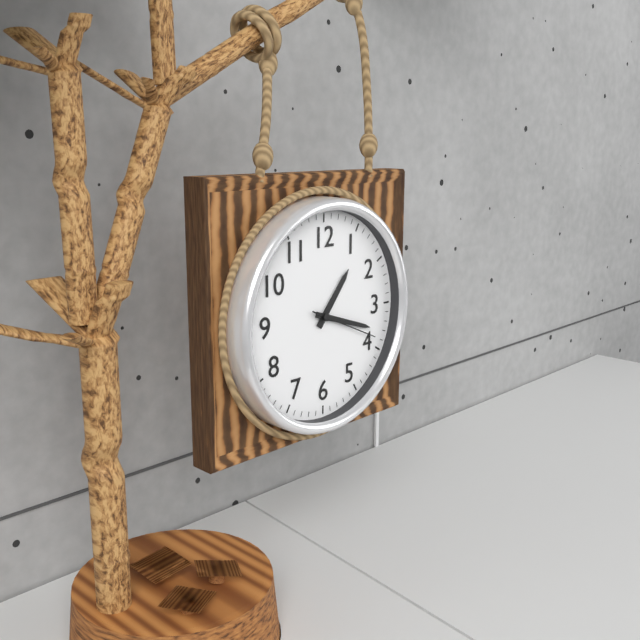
1:18:19
